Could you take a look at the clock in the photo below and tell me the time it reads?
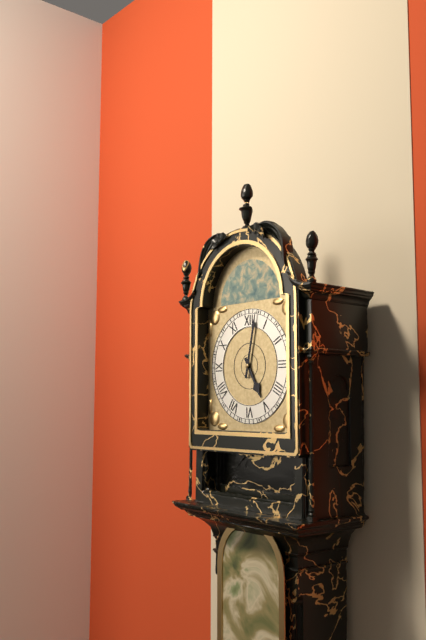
5:02
